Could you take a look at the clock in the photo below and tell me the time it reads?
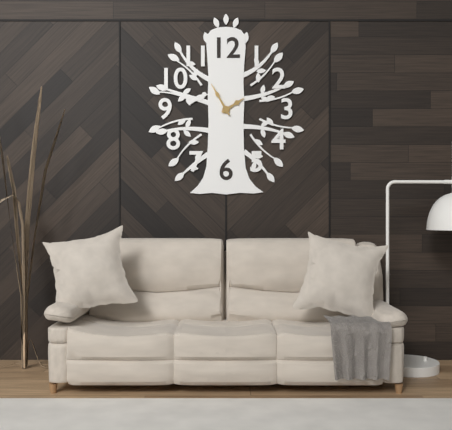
1:55
